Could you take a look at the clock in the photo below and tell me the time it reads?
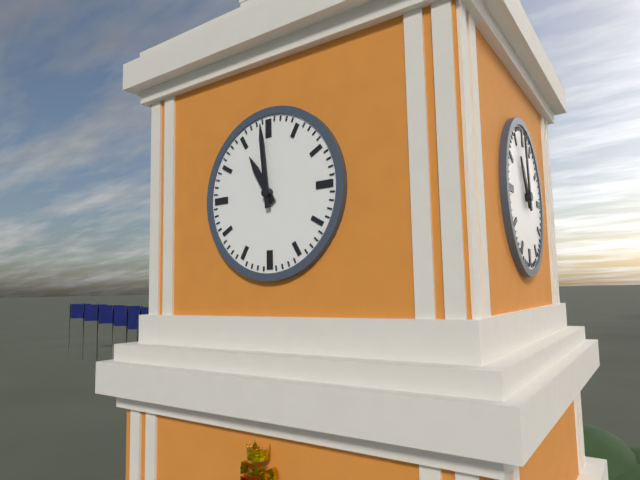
10:59
